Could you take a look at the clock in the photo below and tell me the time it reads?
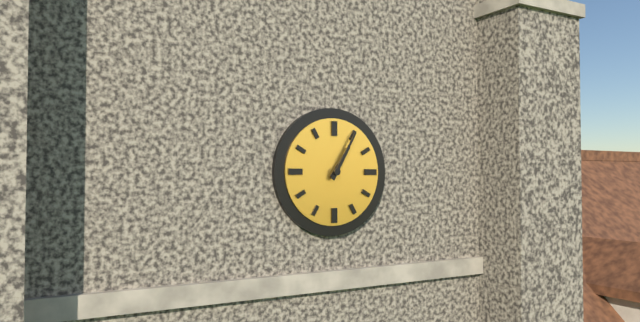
1:05
